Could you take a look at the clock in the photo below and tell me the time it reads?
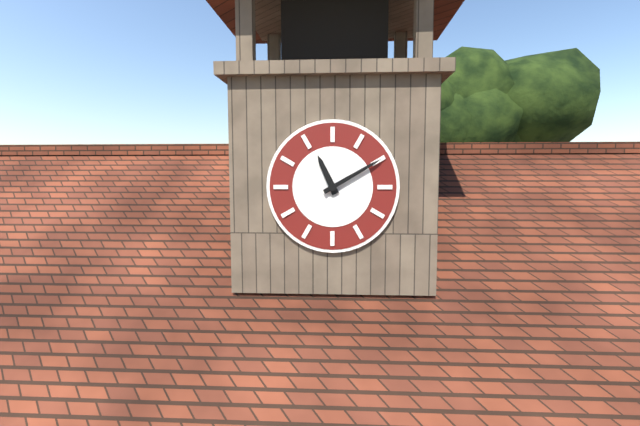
11:10
